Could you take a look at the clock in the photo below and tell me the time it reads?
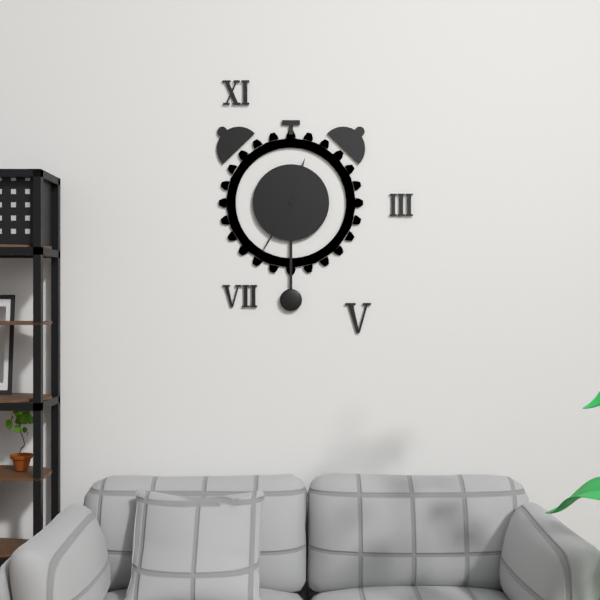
12:35
